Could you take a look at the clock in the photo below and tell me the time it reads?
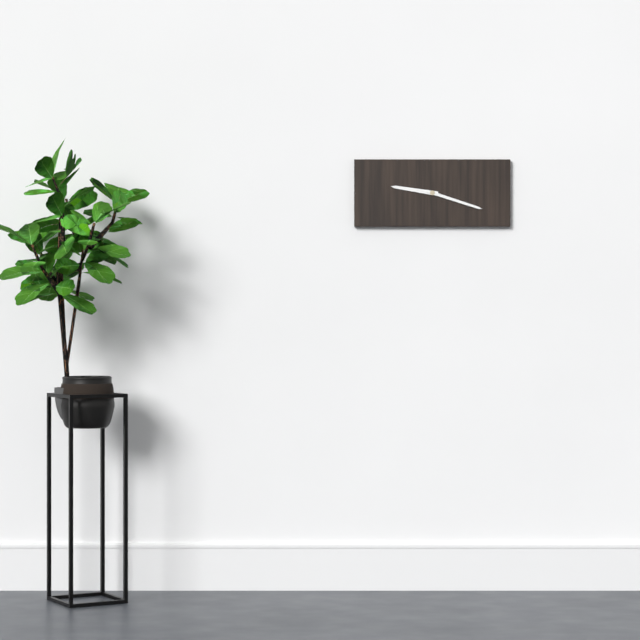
9:18
